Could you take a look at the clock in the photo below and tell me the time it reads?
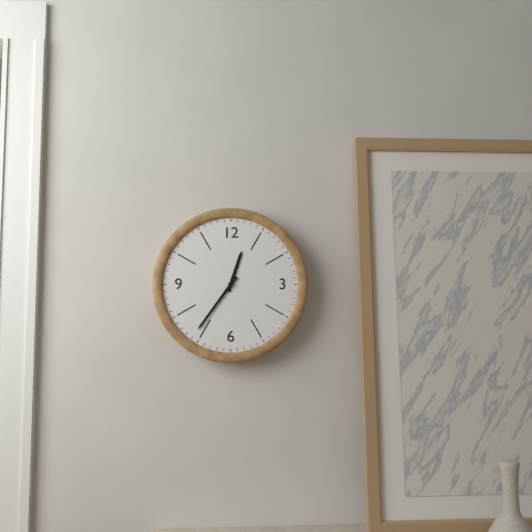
12:36
